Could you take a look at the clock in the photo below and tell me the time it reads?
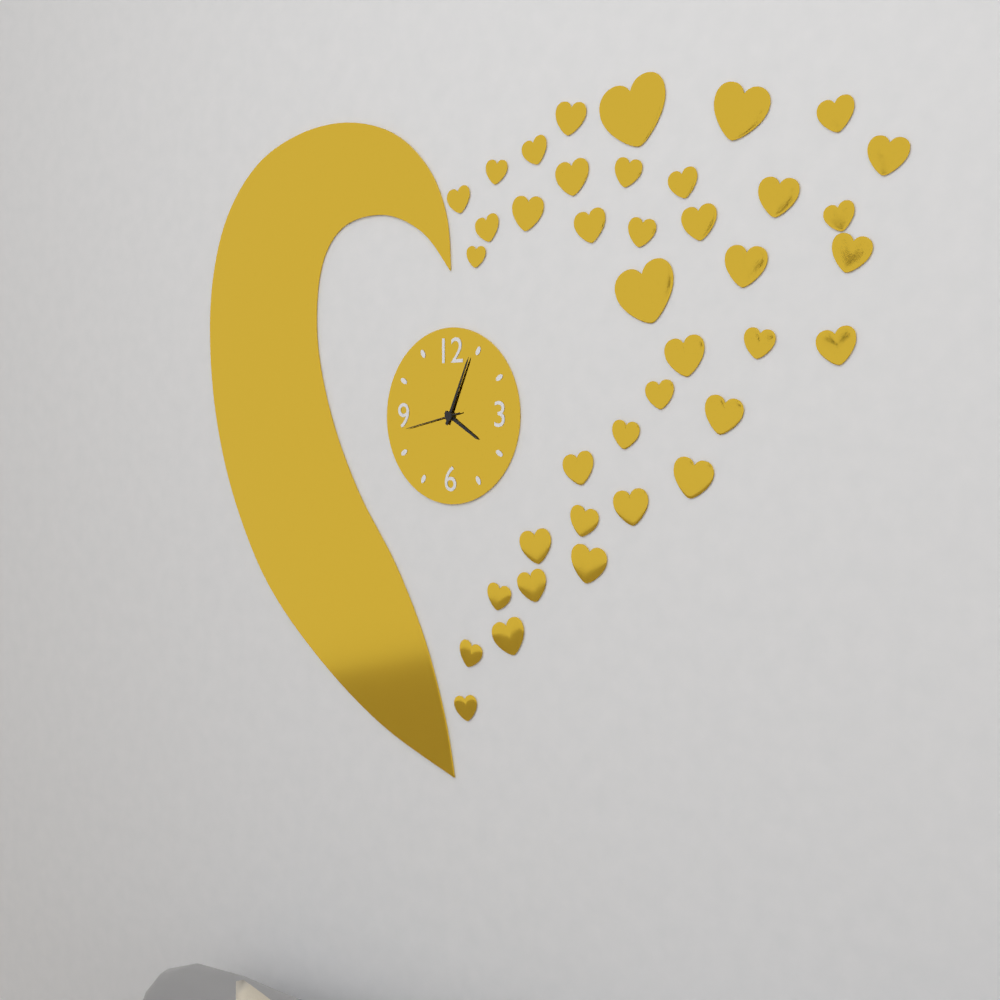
4:04:43
